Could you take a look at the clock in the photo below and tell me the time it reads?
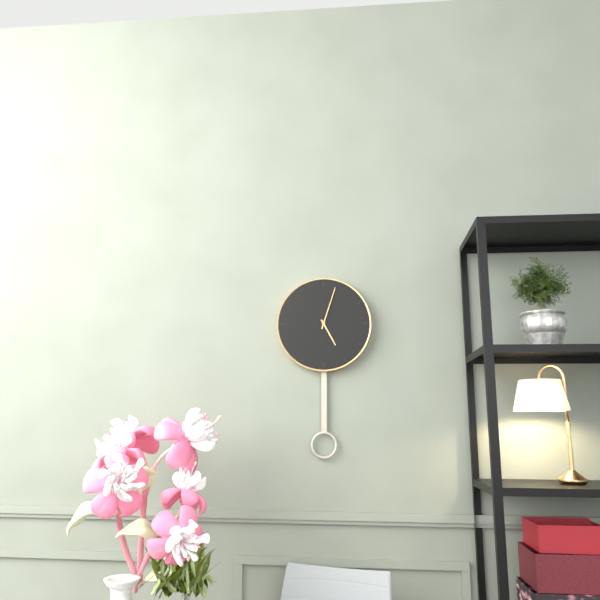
5:03
